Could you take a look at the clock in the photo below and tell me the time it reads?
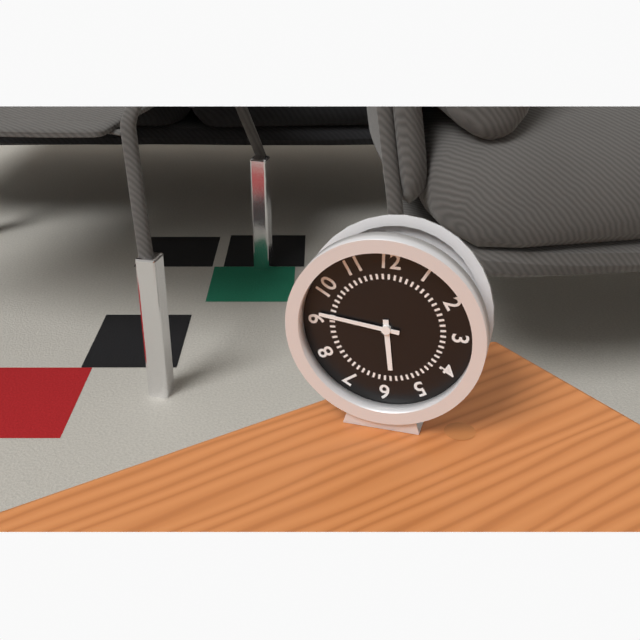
5:46
